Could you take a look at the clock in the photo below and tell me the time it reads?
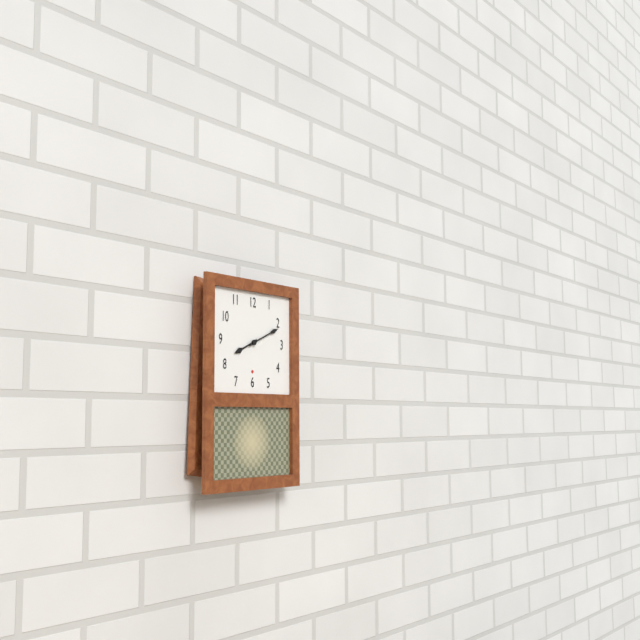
8:11
